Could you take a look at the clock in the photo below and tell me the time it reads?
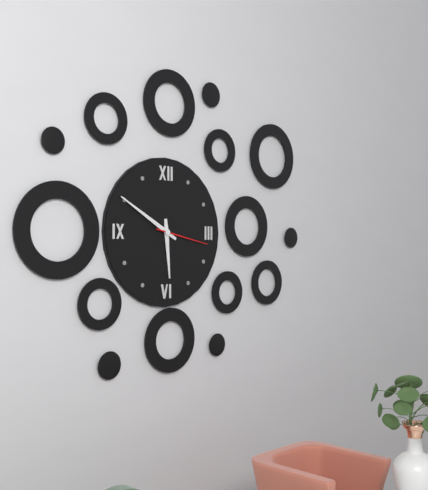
5:50:17
